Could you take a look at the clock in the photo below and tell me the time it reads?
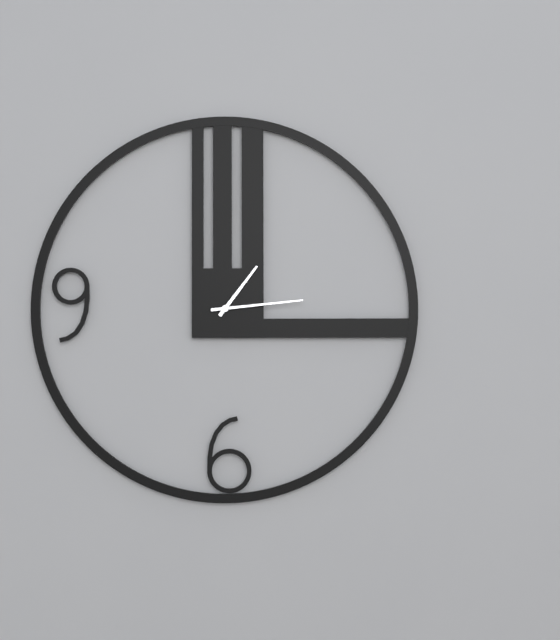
1:14
